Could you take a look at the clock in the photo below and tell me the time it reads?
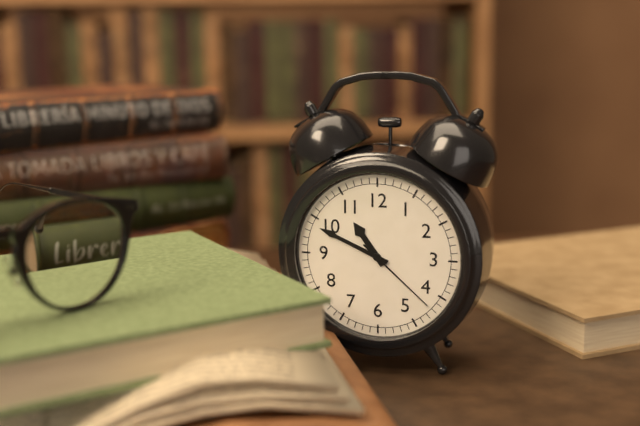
10:49:22
